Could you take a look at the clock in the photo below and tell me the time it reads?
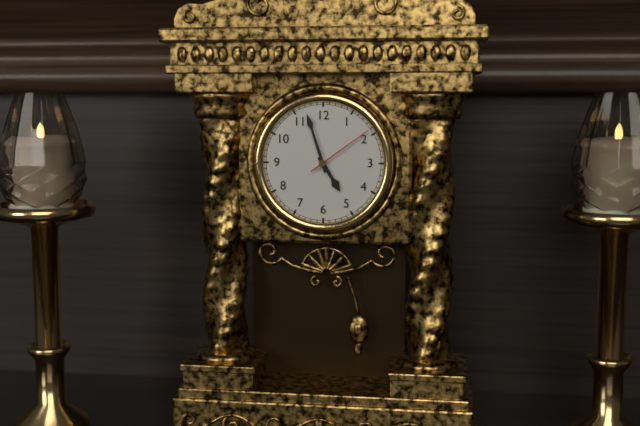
4:57:09
